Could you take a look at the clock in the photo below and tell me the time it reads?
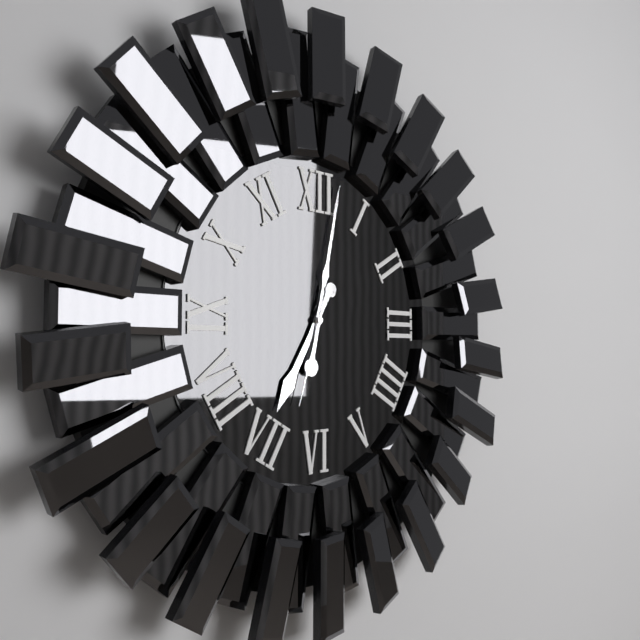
7:02:33
